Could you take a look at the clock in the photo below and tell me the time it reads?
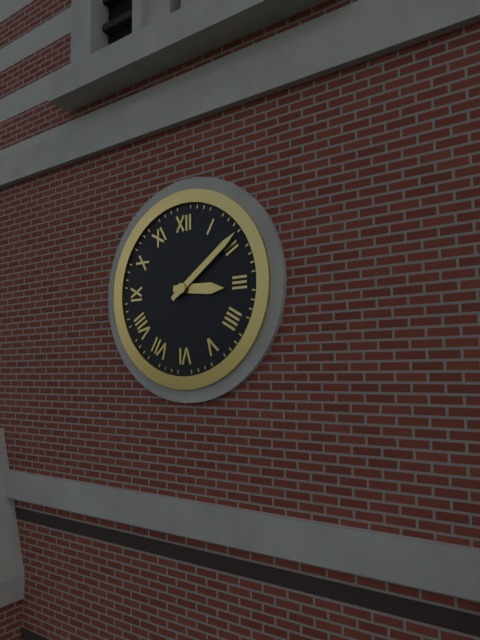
3:09
